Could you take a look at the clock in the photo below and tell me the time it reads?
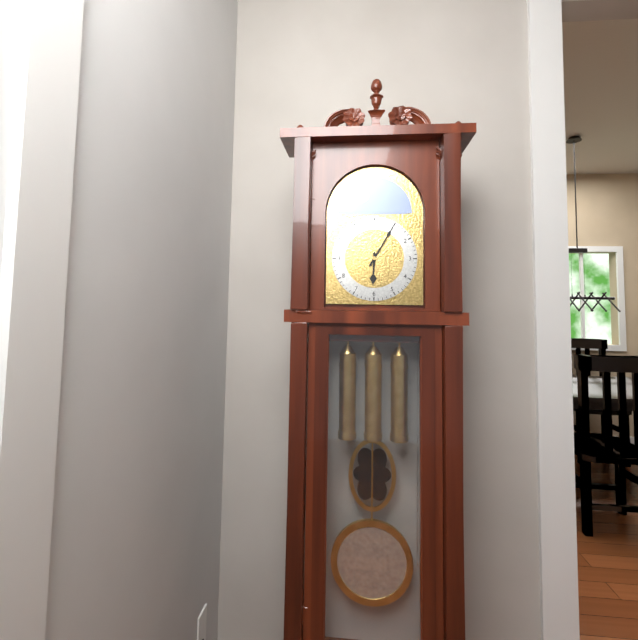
6:05
